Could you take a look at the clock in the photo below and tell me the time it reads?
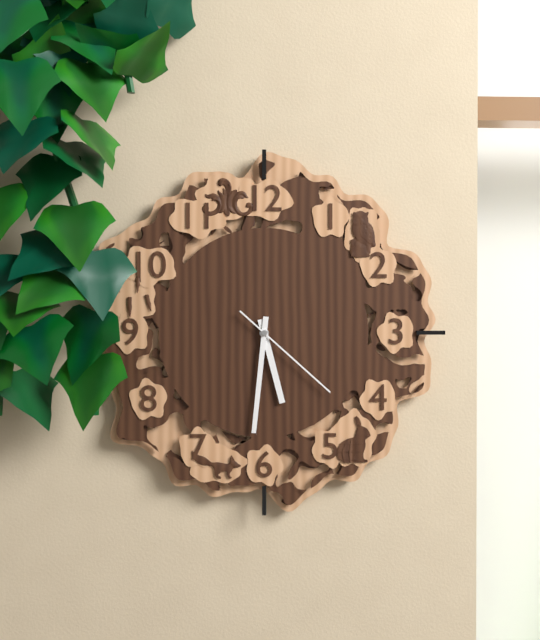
5:31:22
